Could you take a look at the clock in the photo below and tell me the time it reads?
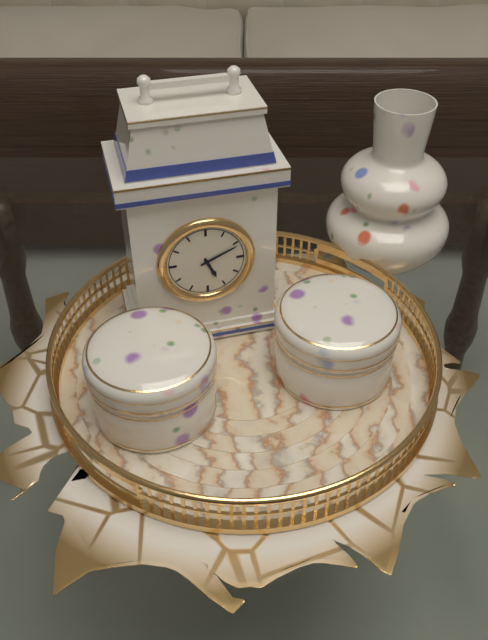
5:11
